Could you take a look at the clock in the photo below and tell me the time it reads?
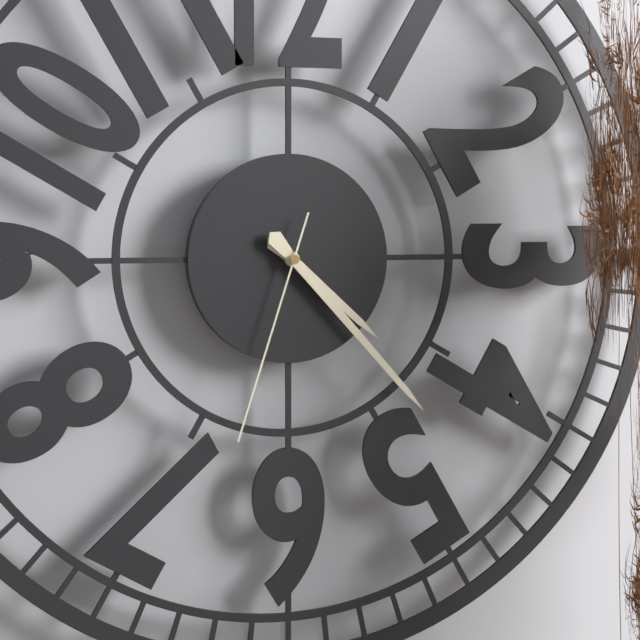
4:23:33
